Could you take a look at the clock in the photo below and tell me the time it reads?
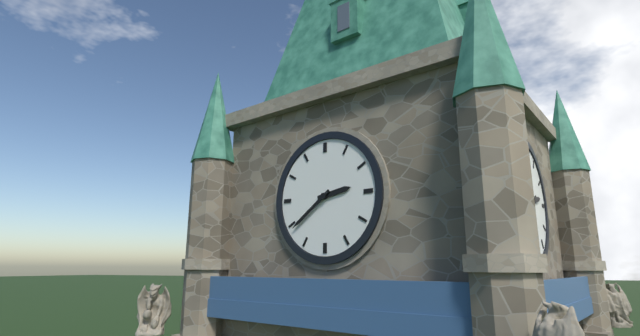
2:39
